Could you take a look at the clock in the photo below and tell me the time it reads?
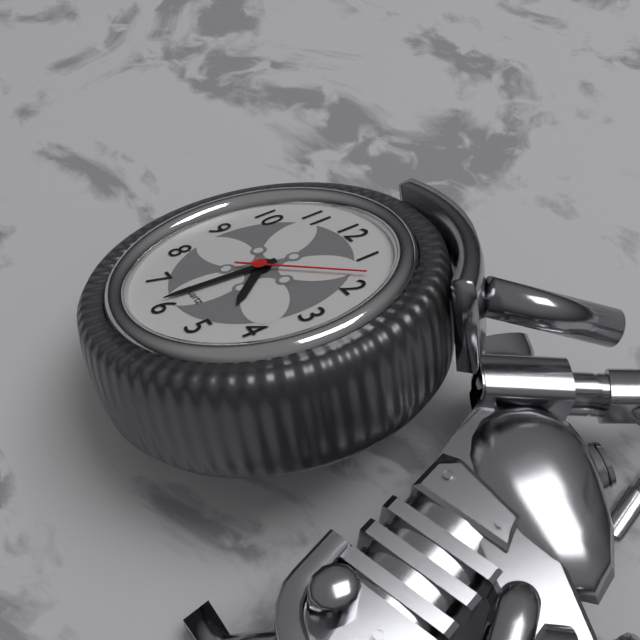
4:31:08
